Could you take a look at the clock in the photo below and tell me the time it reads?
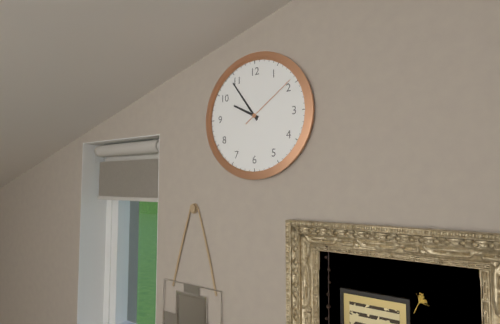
9:54:09
